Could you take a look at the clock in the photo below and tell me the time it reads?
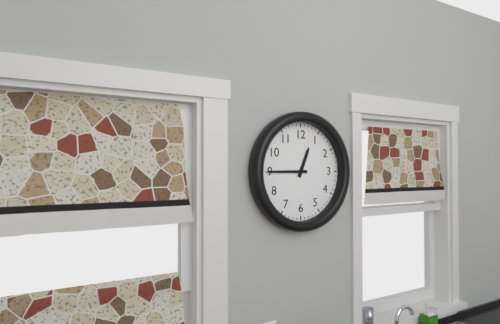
12:45
